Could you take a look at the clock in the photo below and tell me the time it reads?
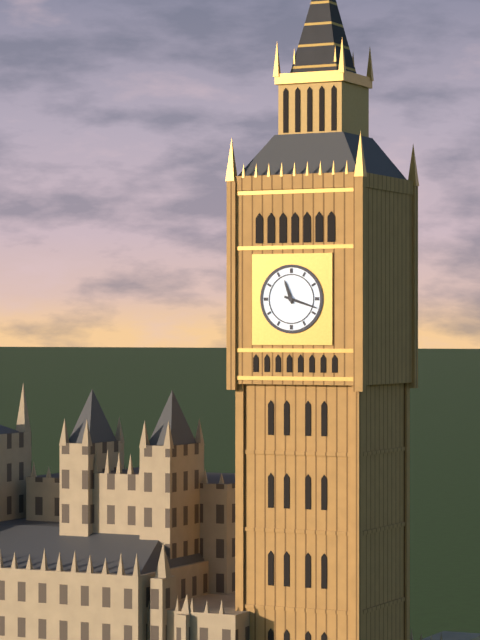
11:18
